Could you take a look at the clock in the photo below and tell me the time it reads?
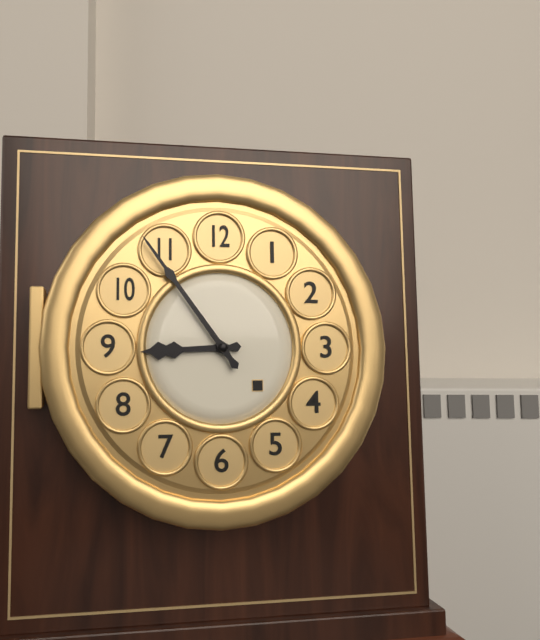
8:54
